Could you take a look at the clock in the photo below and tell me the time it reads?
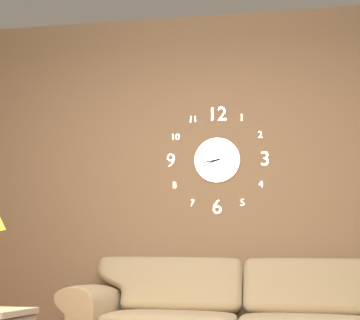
8:41
